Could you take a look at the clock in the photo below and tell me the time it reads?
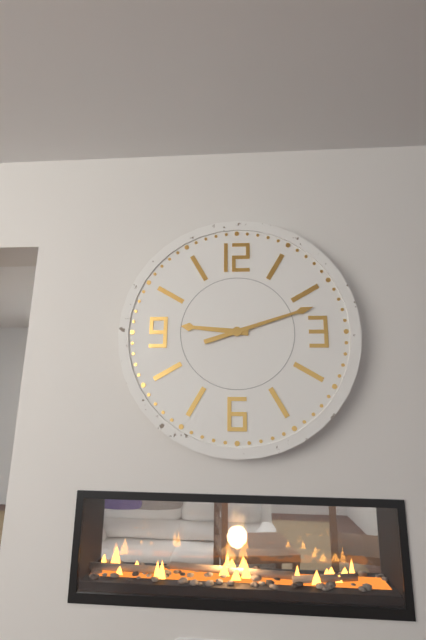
9:12
